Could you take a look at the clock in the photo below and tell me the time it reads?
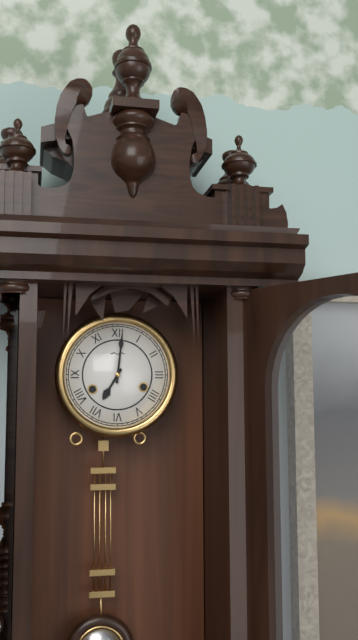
7:01
